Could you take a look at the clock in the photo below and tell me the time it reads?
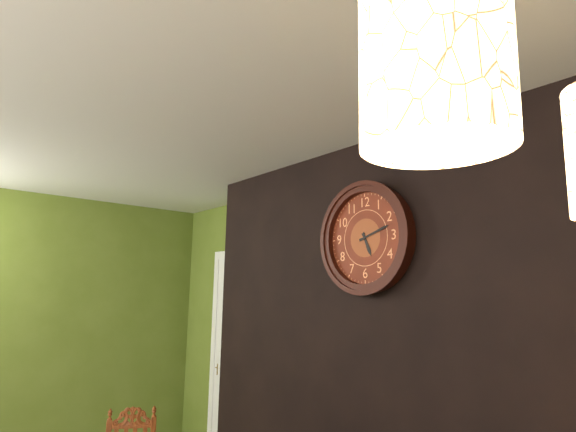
5:12
